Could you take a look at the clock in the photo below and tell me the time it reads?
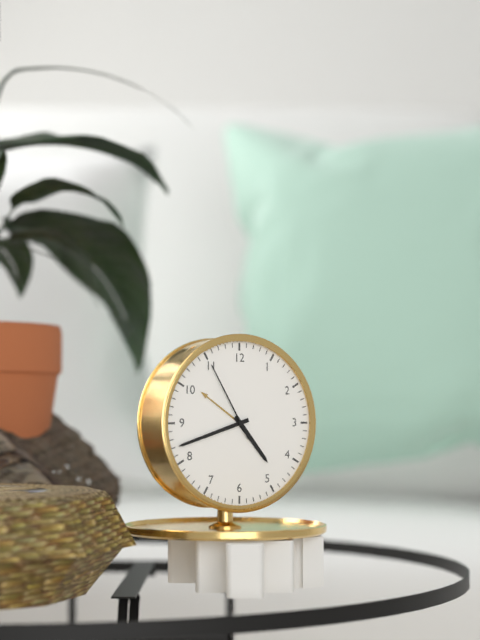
4:42:55
